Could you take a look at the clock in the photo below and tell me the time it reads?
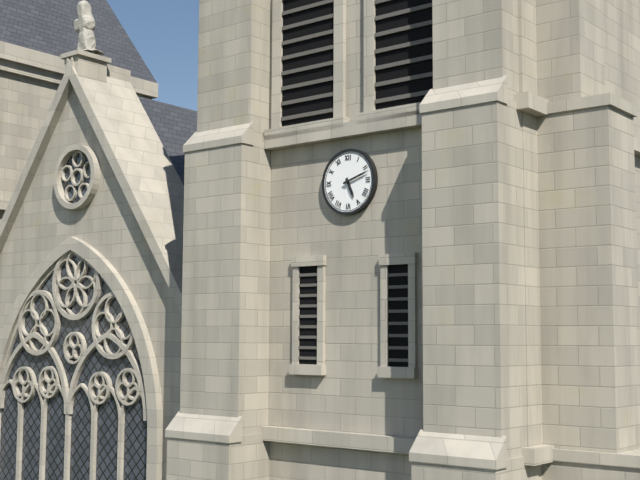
5:12
